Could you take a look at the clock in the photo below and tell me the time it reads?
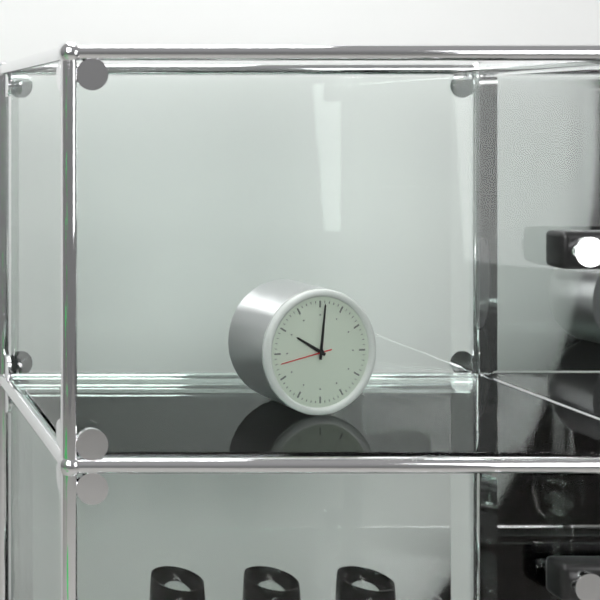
10:01:43
